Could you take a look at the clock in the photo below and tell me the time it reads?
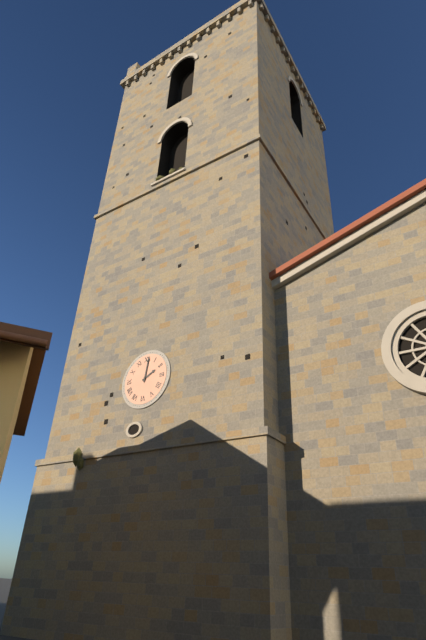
2:01
